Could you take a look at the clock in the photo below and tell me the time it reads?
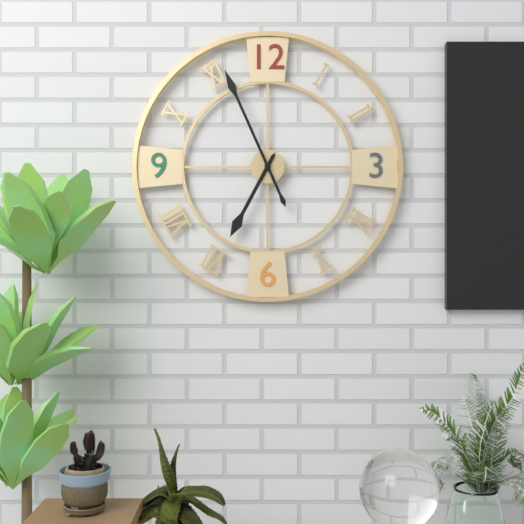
6:56
